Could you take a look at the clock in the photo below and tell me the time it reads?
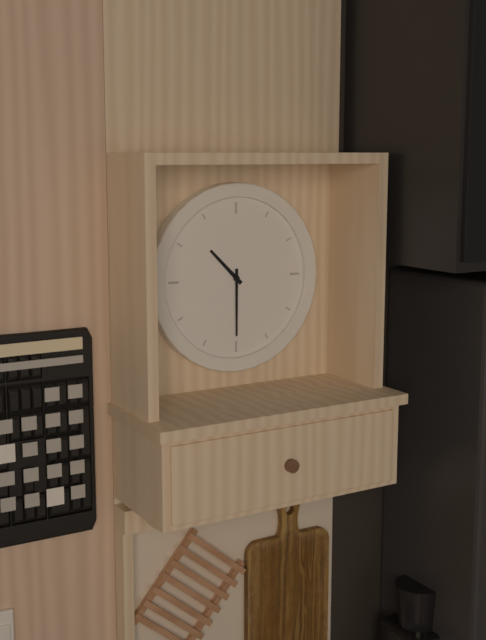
10:30
